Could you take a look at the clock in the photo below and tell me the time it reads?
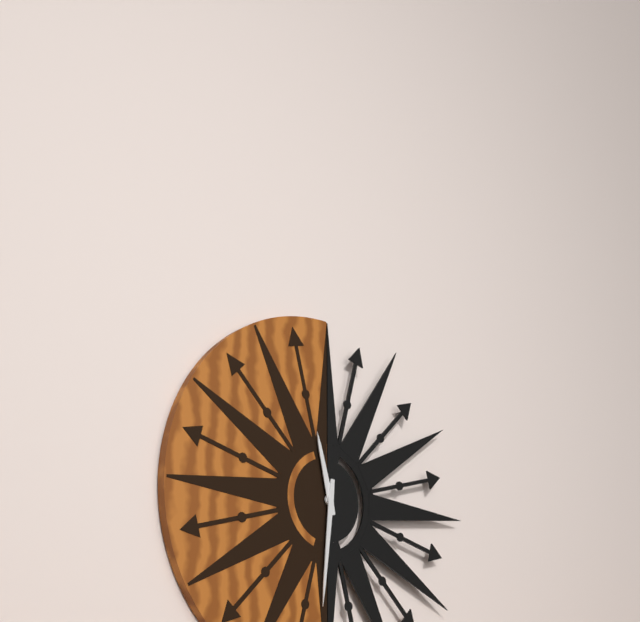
11:31
